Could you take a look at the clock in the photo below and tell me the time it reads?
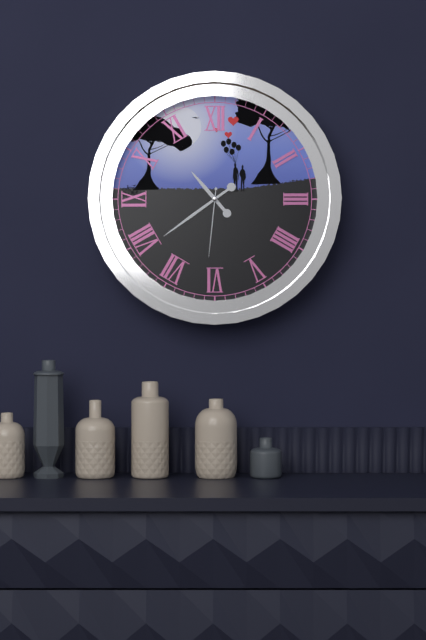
10:39:31
